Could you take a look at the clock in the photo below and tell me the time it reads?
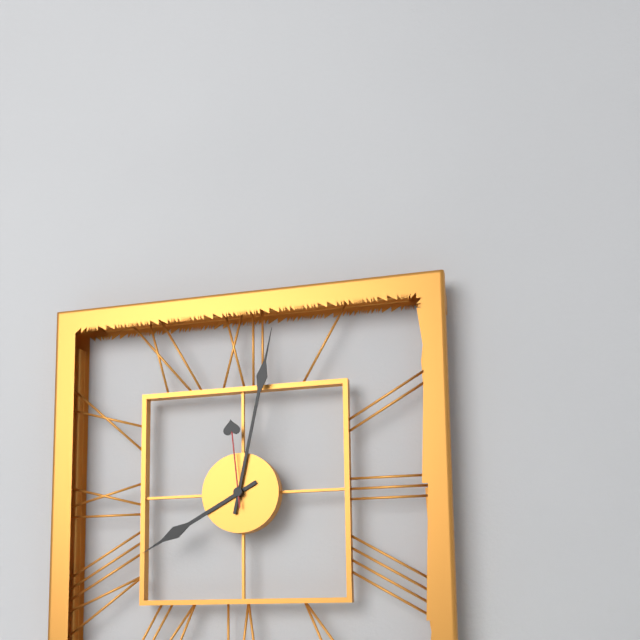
8:02:59
